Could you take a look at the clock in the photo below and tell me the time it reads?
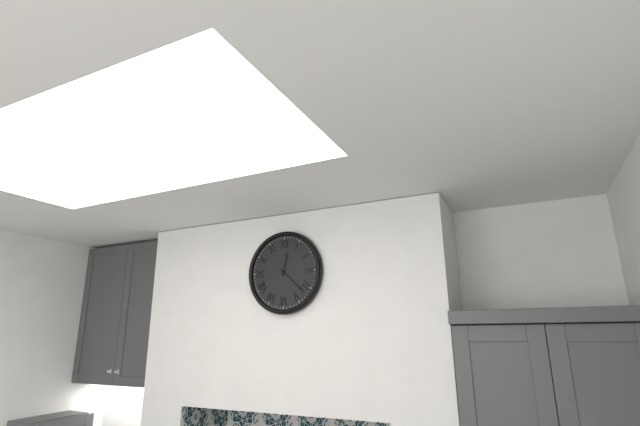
12:22
